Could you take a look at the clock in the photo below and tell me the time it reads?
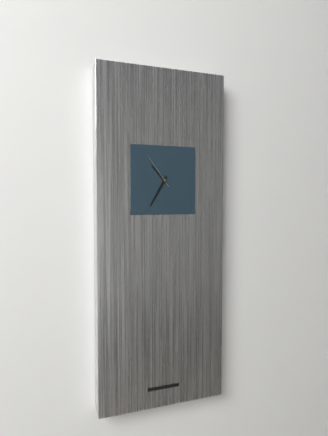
10:35
